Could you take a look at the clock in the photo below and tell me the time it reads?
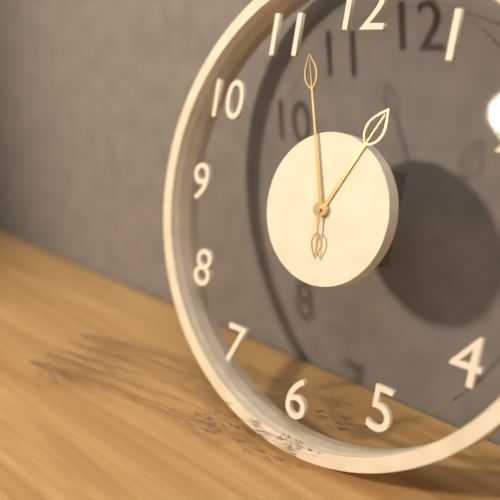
12:57:29
